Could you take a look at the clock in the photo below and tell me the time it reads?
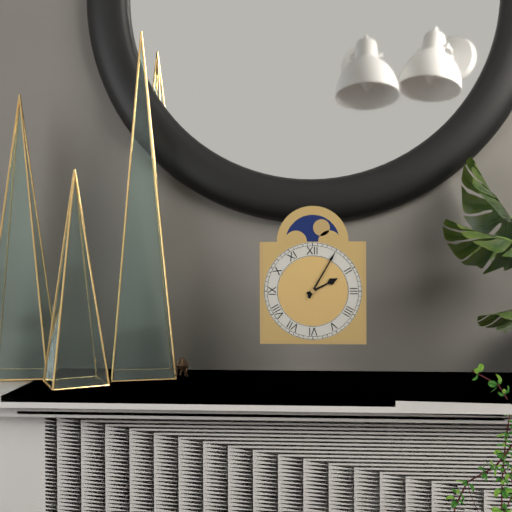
2:05
